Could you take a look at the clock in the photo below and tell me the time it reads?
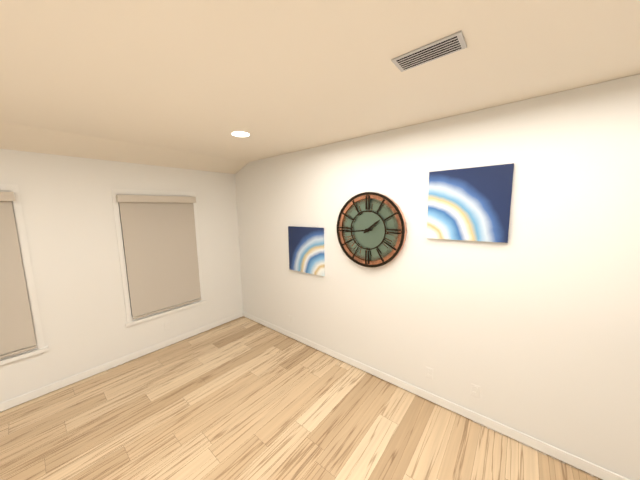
1:44
